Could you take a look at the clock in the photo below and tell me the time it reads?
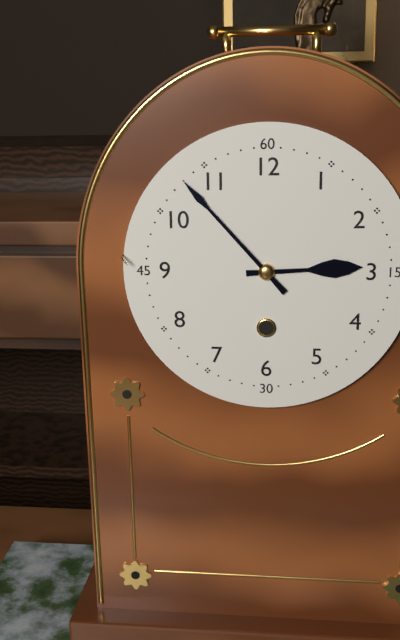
2:53
